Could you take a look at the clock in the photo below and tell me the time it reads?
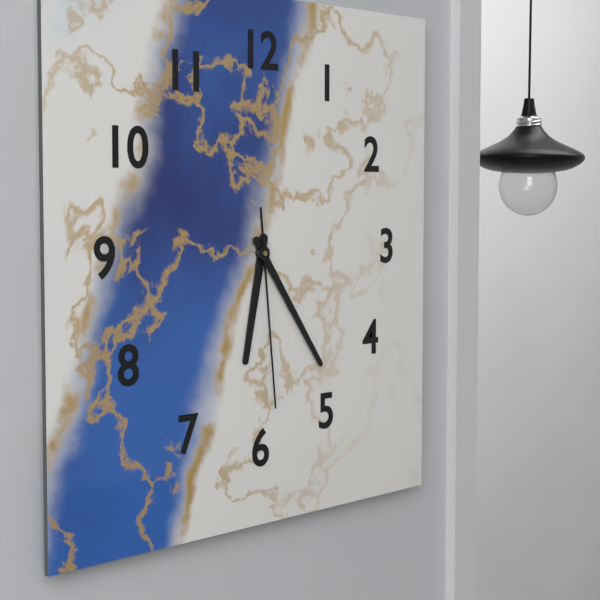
6:24:29
